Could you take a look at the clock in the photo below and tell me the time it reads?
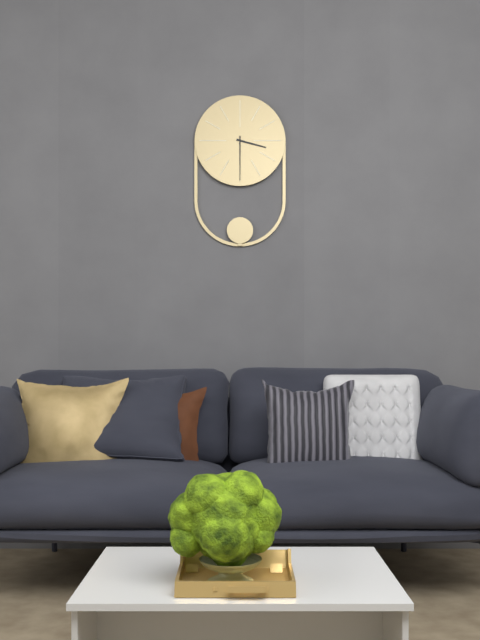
3:30
